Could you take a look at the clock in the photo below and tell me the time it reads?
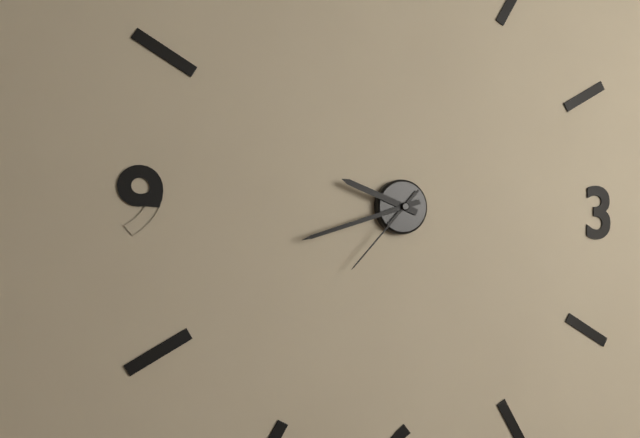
9:42:37
